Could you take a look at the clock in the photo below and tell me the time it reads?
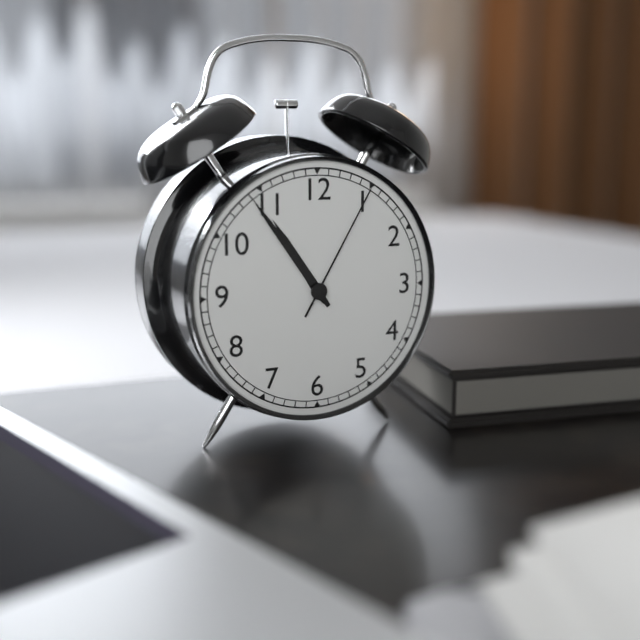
10:54:05
